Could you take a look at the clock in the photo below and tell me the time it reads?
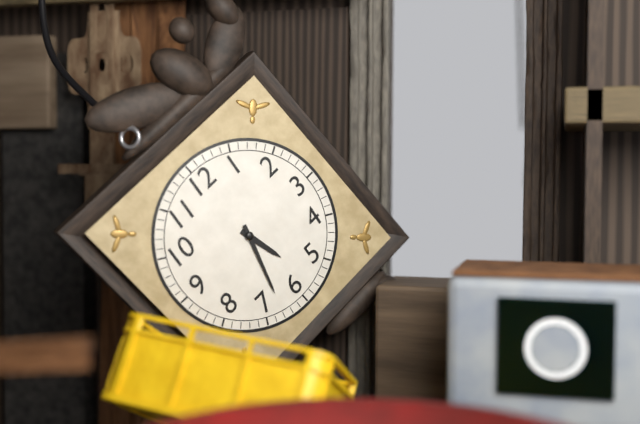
5:33
